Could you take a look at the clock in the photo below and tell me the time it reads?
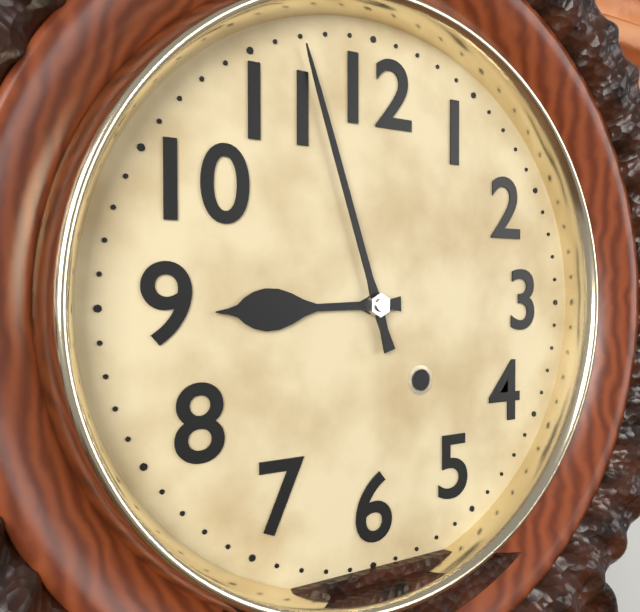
8:57
